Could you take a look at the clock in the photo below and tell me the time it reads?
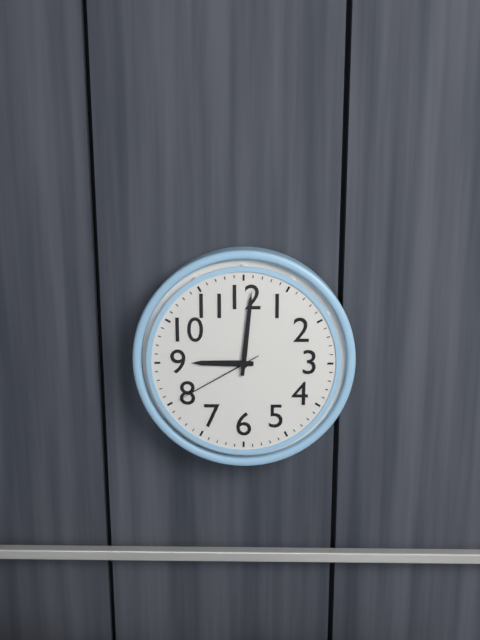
9:01:40
